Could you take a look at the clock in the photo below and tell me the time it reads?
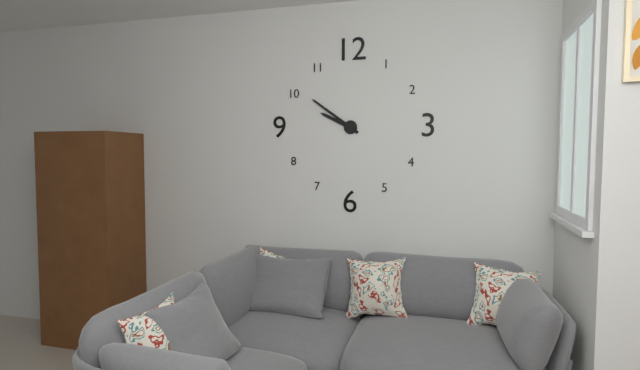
9:51
